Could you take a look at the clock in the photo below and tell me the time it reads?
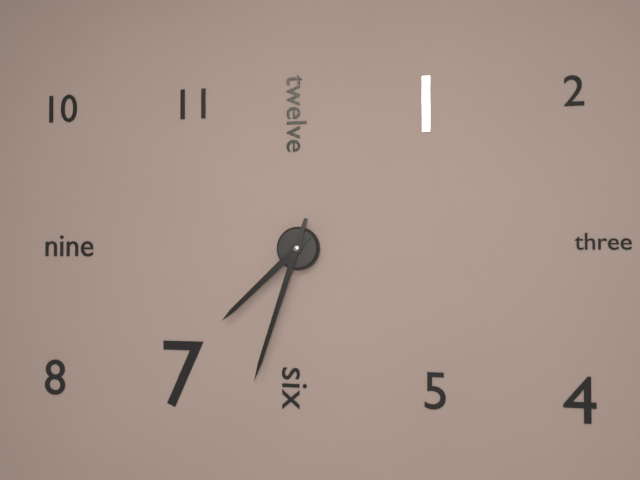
7:33
